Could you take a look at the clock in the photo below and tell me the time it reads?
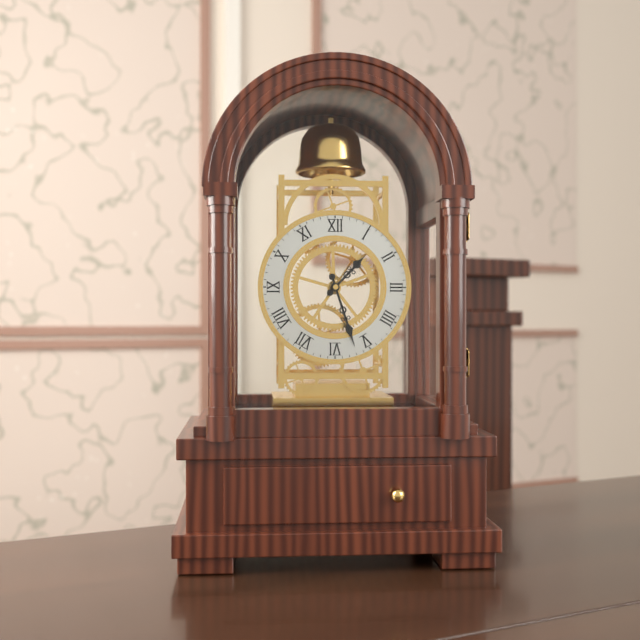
1:27
